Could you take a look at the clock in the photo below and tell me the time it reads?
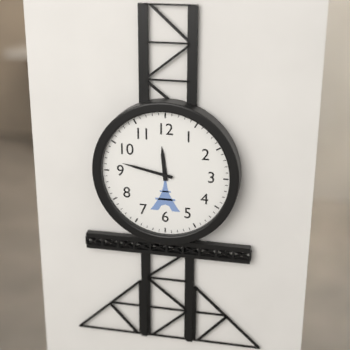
11:47
